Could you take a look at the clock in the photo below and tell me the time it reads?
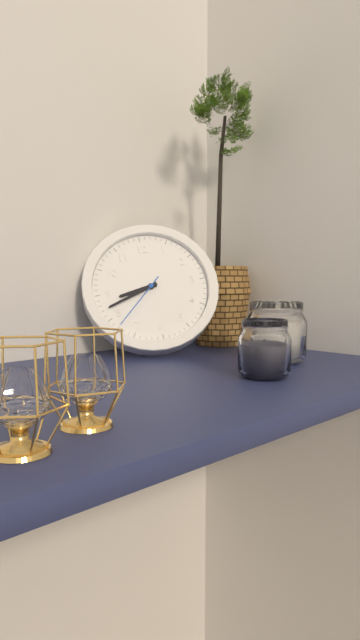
8:42:38
